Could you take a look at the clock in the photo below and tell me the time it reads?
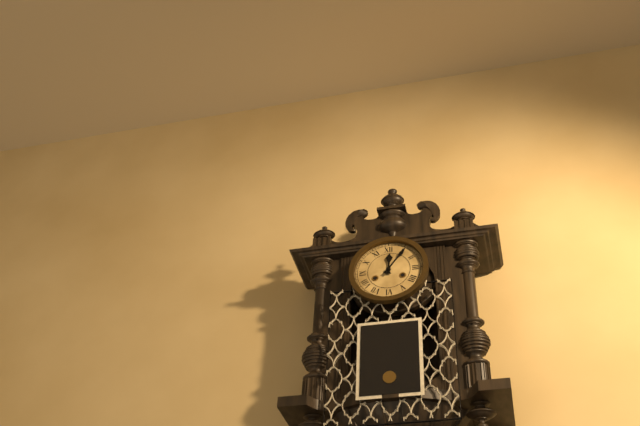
12:06
